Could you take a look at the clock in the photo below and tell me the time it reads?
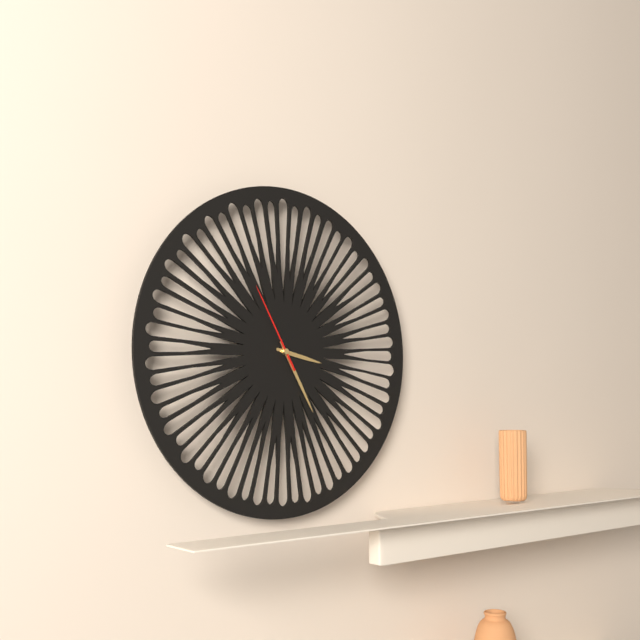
3:25:55
